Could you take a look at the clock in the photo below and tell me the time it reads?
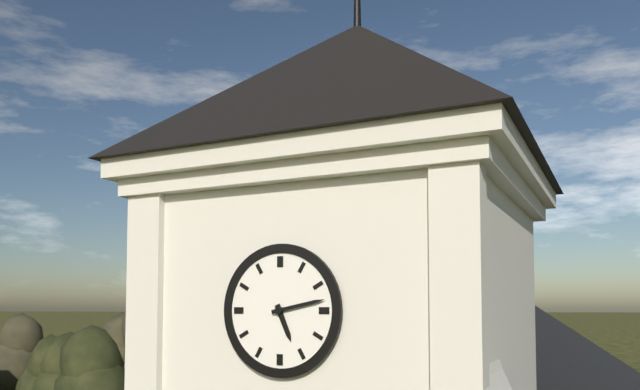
5:13
